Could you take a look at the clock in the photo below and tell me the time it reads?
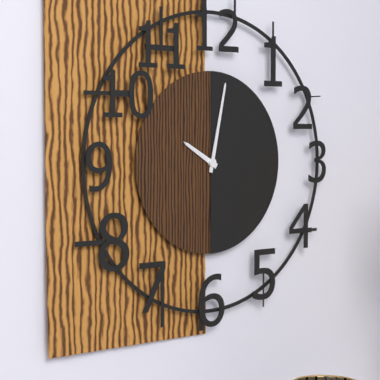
10:02
